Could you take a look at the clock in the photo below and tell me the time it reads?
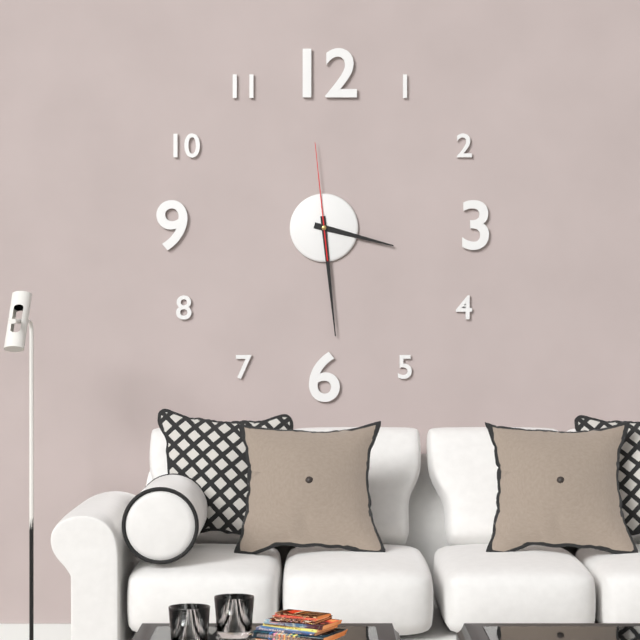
3:29:59
